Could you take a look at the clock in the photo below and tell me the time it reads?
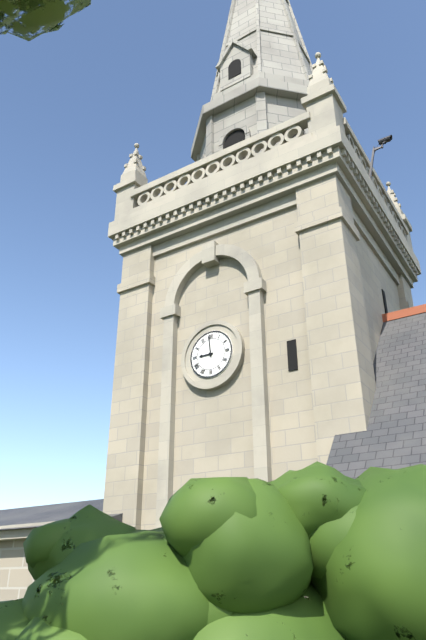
8:59
